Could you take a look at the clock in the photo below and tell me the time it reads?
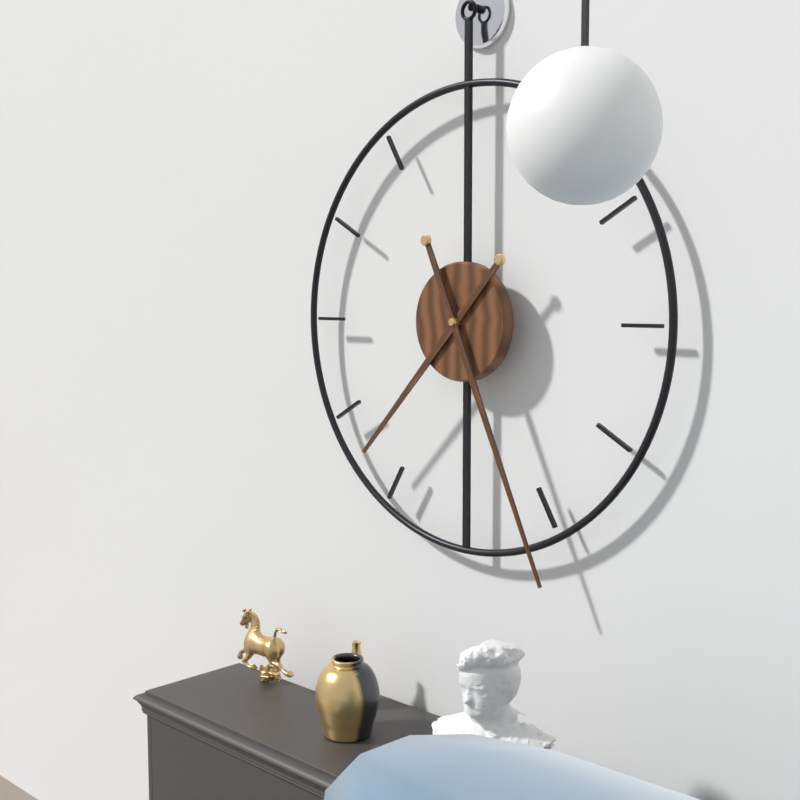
7:26
